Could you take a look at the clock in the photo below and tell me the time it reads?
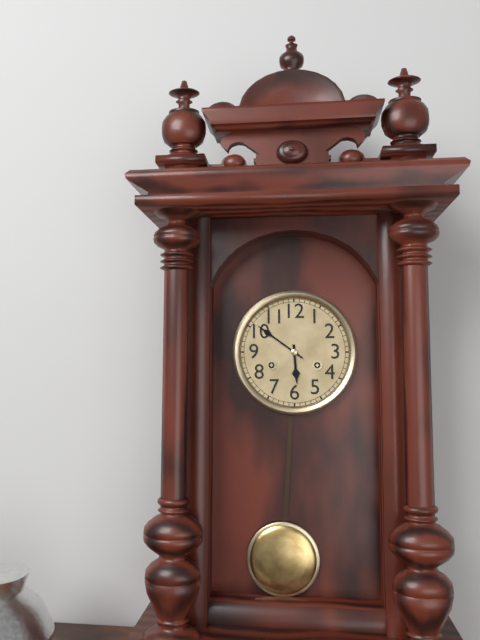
5:51
